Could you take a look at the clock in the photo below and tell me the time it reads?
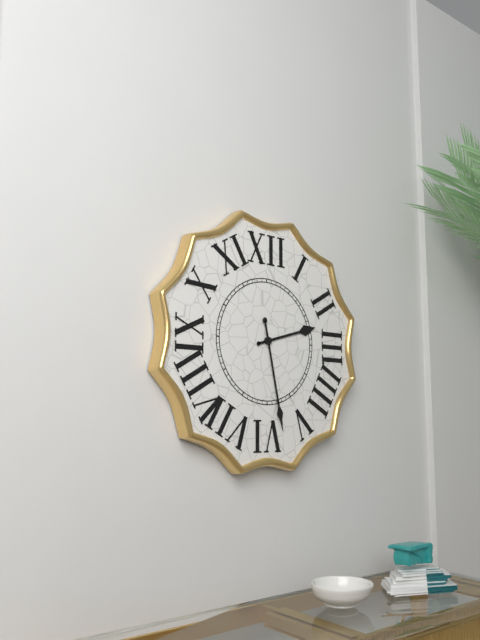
2:28
